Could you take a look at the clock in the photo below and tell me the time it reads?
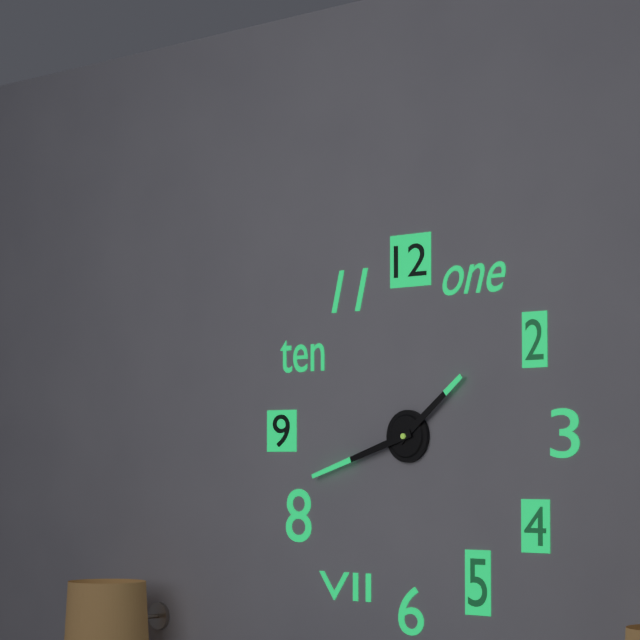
1:42
